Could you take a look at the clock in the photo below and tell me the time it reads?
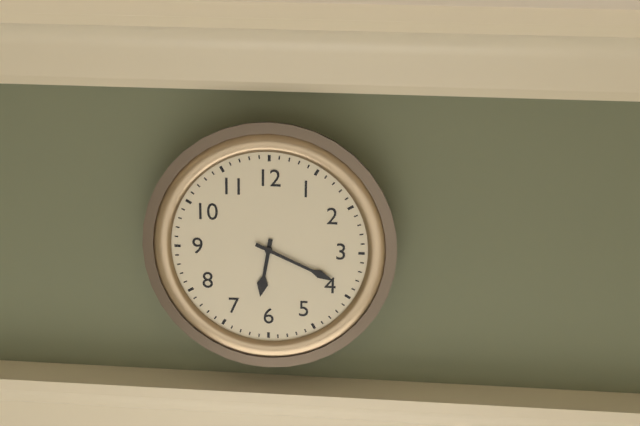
6:19
